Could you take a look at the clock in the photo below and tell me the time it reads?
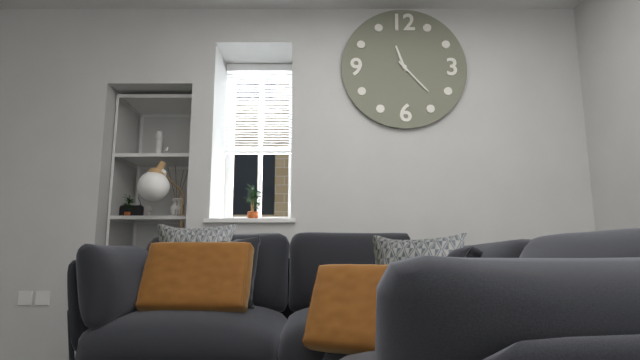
11:23
